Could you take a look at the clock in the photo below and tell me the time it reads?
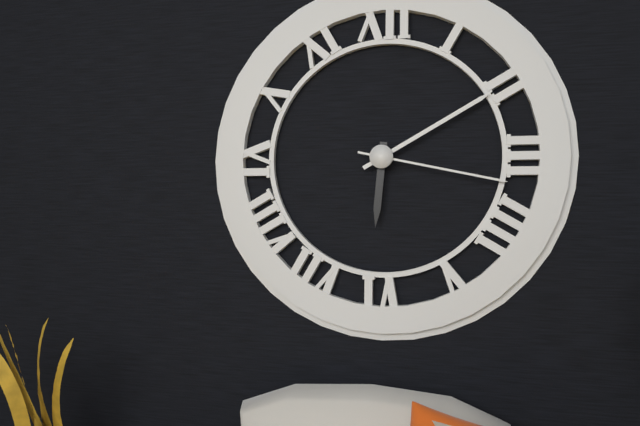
6:10:17
